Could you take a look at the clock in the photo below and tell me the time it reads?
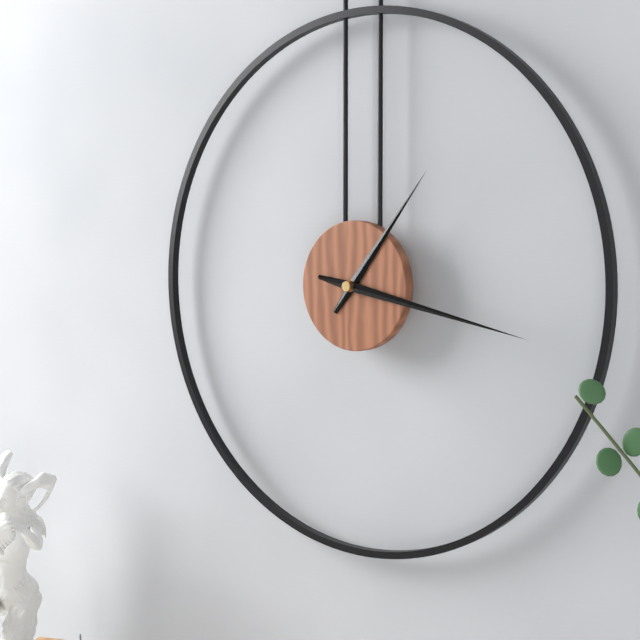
1:17
